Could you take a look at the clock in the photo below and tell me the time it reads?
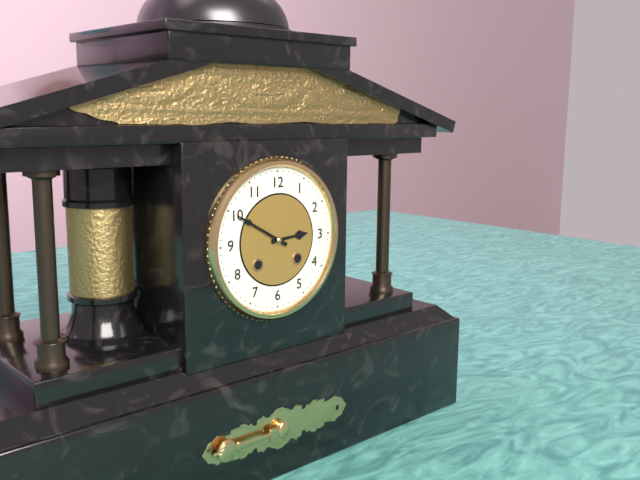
2:50
